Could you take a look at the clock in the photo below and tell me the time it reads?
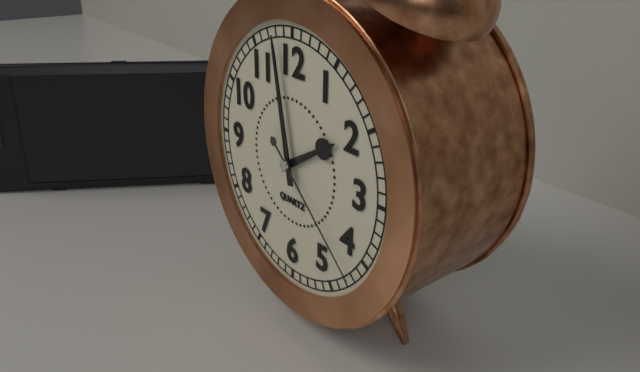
1:58:22
